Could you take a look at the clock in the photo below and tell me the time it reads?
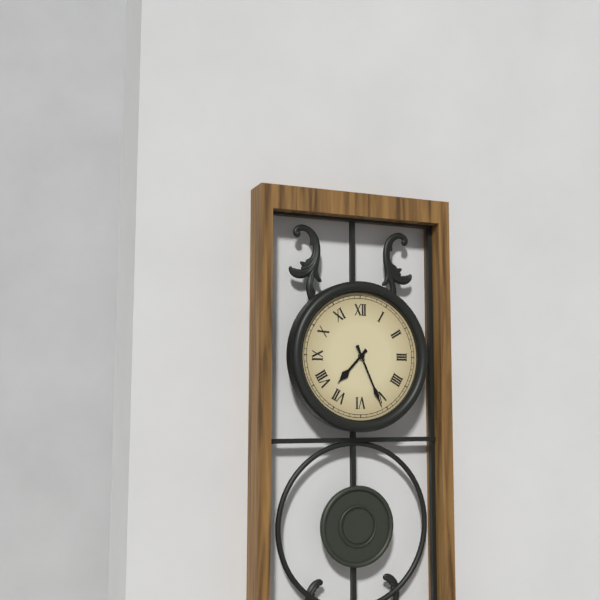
7:26
